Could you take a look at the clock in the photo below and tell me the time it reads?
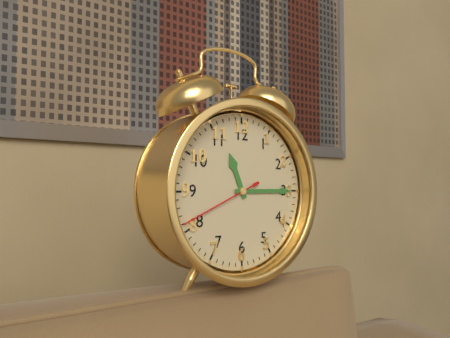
11:15:41
